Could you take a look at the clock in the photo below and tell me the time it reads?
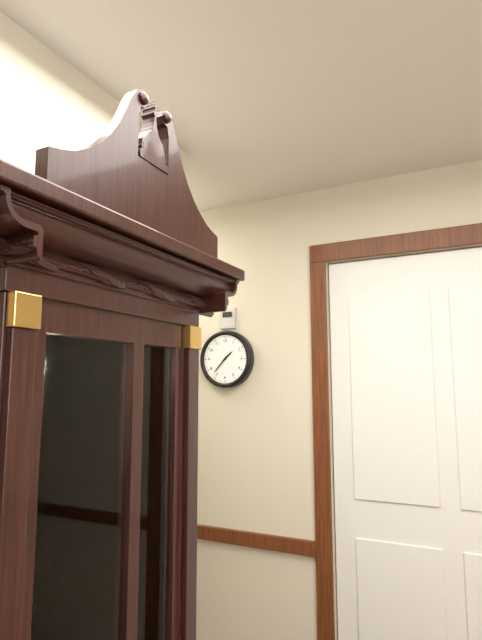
1:37
